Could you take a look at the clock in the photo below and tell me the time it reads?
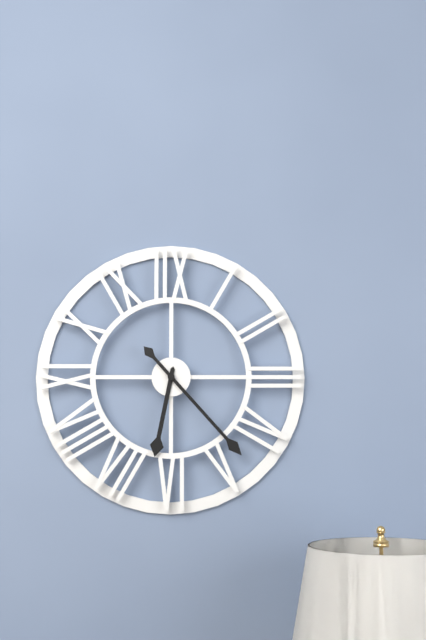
6:23
